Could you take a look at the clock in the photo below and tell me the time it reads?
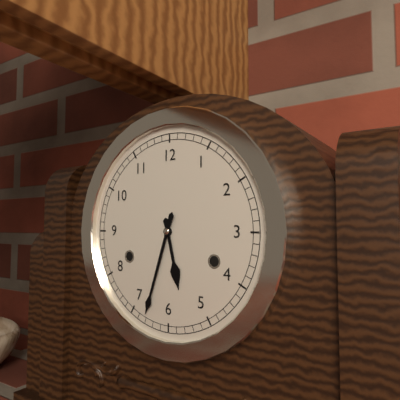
5:33
